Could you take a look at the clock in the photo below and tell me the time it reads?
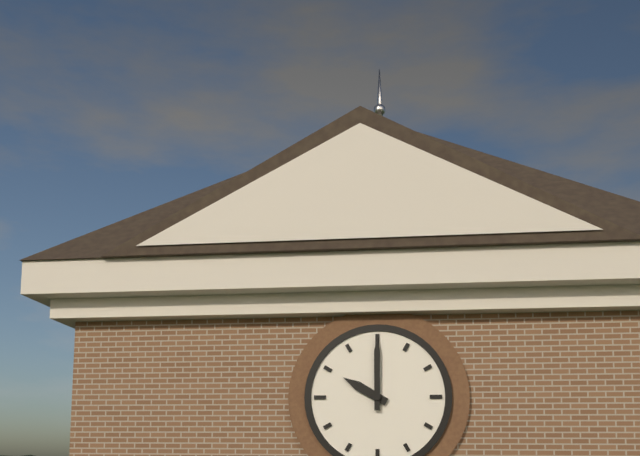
10:00
